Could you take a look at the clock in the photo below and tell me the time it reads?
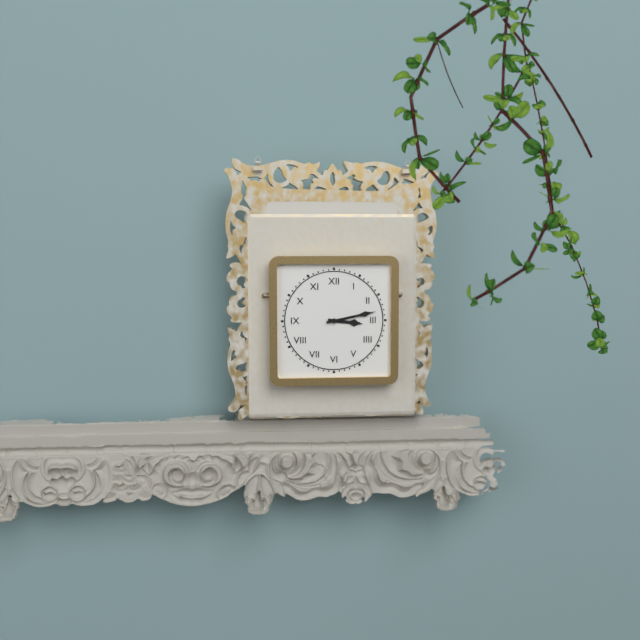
3:13
